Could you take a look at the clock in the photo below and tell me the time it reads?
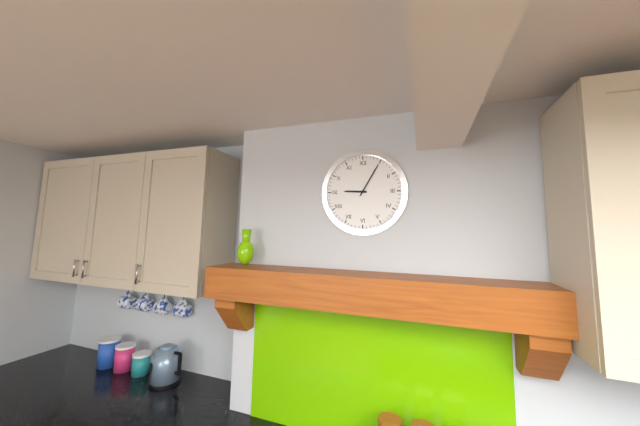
9:05
